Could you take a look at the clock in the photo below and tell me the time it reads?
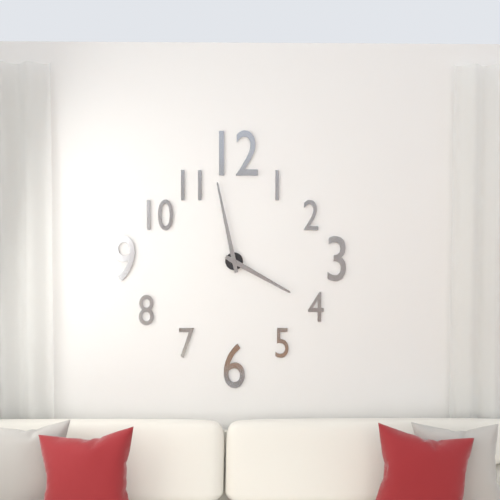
3:58
